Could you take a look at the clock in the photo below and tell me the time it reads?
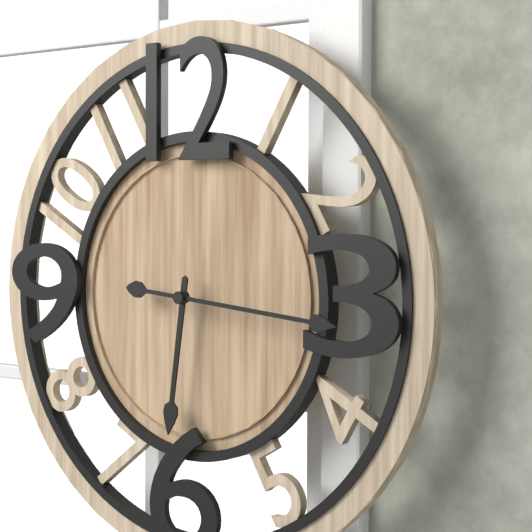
6:16
